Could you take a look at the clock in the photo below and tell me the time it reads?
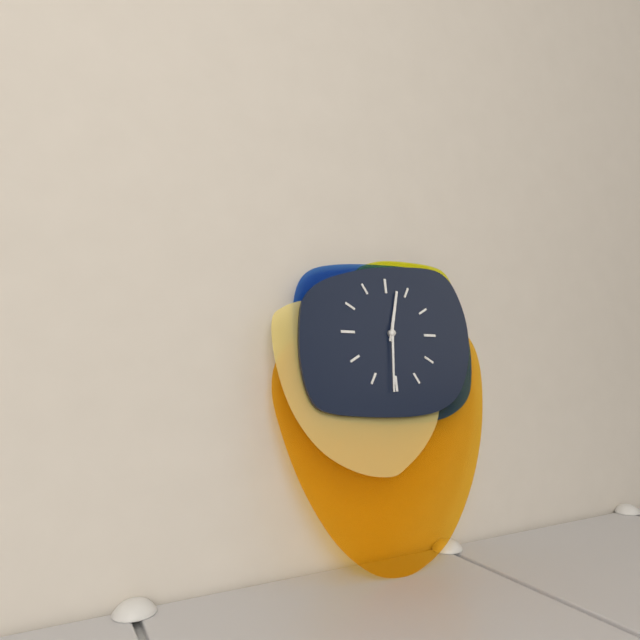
12:31
